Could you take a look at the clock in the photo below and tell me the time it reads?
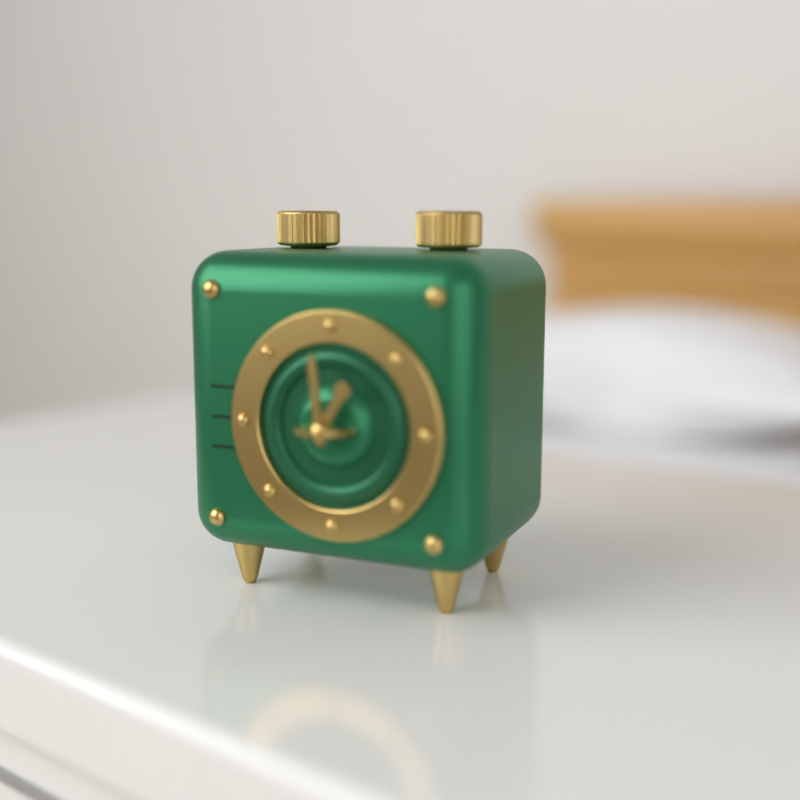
12:59
